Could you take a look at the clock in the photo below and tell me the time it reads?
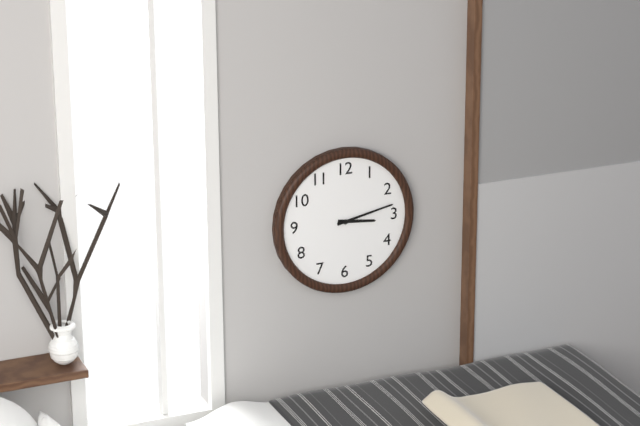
3:13
